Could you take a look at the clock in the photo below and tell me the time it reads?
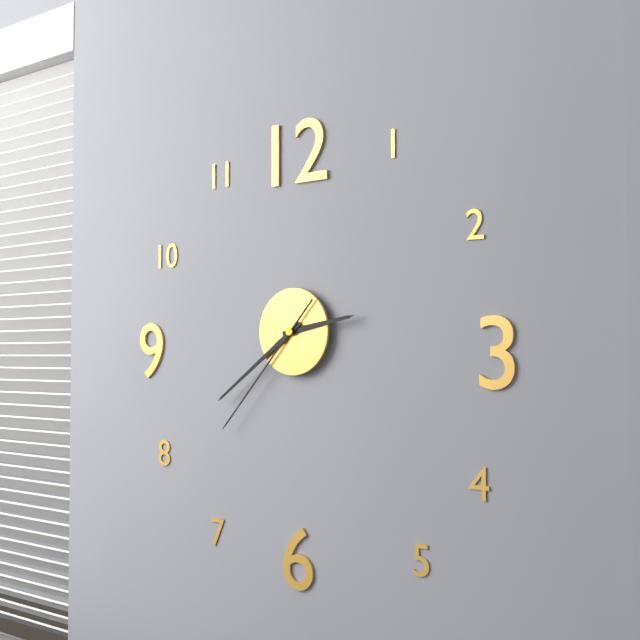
2:39:37
